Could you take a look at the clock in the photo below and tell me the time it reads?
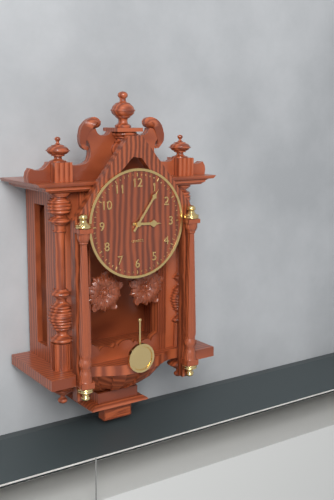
3:06
